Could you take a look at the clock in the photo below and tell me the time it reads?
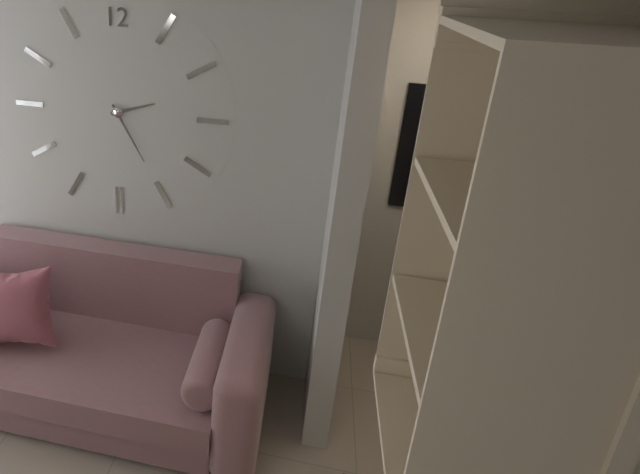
2:25
